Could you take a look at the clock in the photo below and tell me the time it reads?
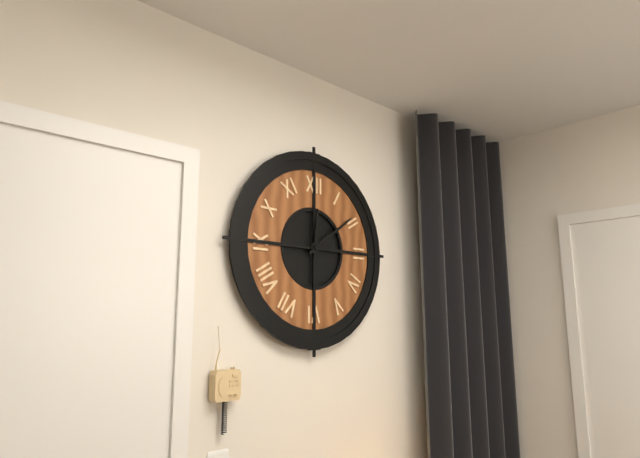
12:09
